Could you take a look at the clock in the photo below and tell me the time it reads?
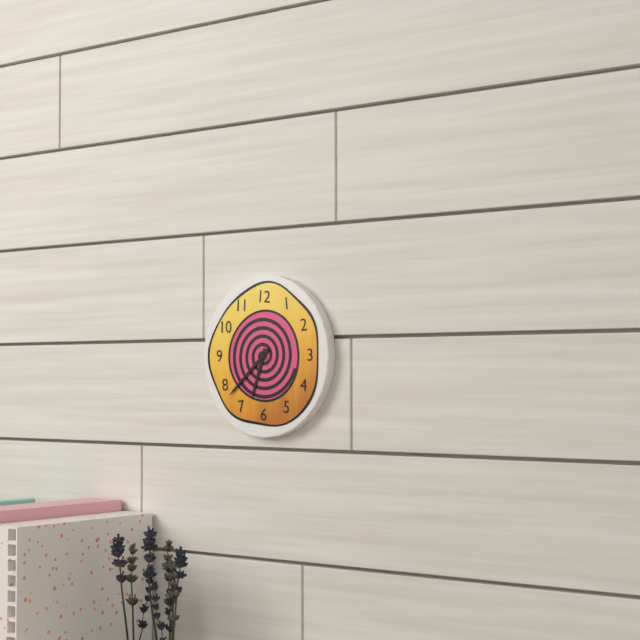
6:38
